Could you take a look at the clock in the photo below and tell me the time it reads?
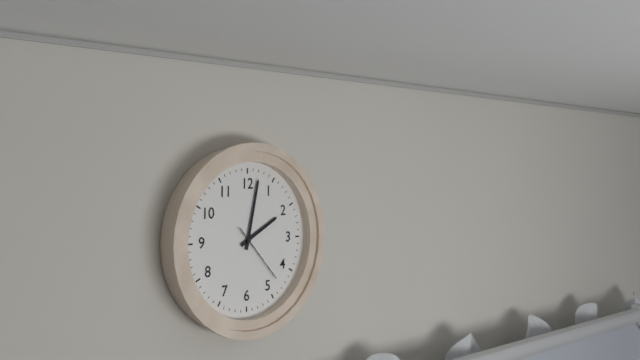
2:02:23
